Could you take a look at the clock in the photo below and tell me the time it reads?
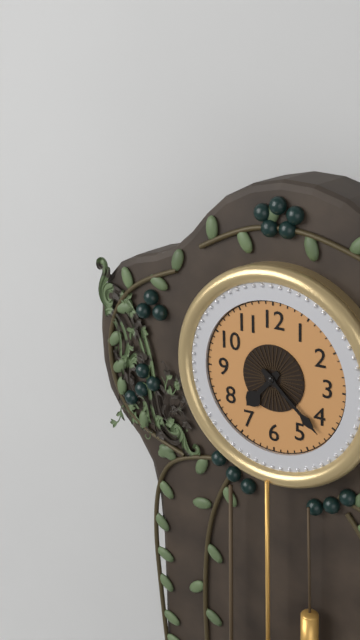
7:22
